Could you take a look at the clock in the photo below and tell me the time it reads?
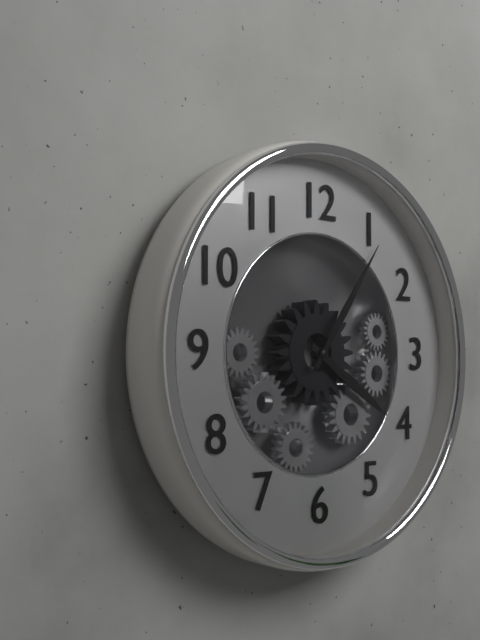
4:06
